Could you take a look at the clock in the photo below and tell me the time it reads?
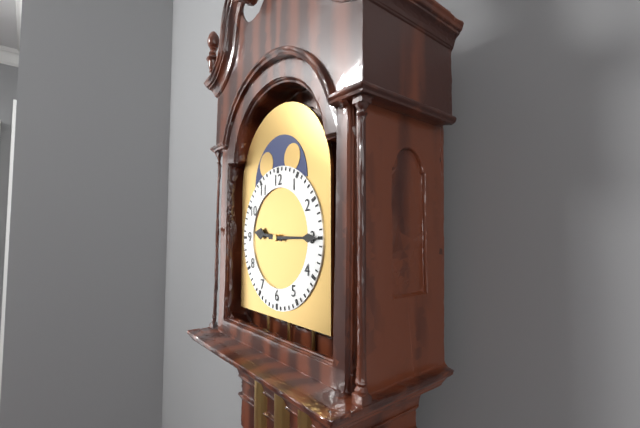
9:15
